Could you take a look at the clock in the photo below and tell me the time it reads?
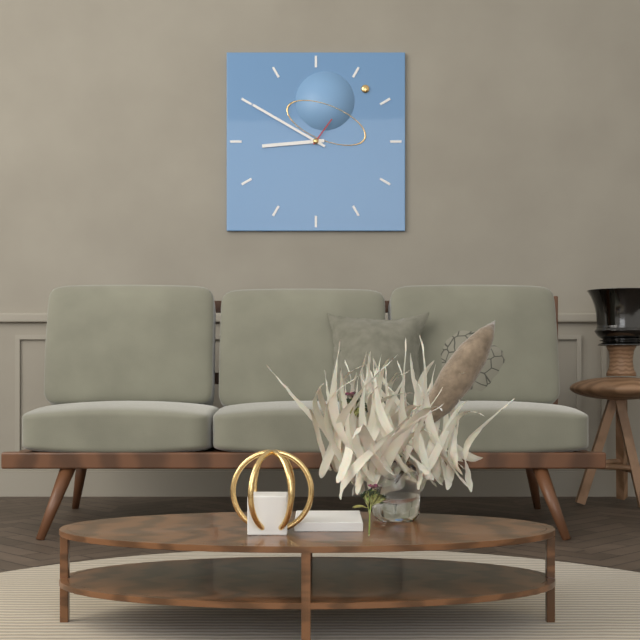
8:50
